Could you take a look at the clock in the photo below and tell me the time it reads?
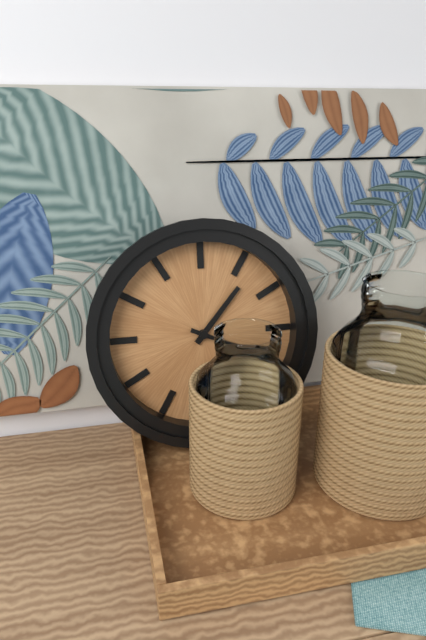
1:19
